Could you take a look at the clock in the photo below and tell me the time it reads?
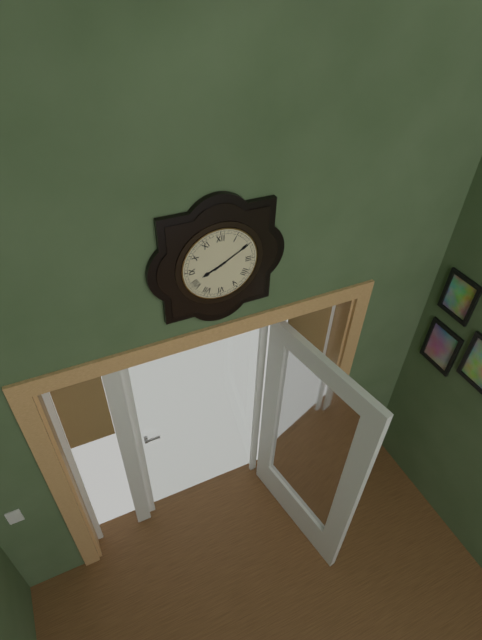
8:10
